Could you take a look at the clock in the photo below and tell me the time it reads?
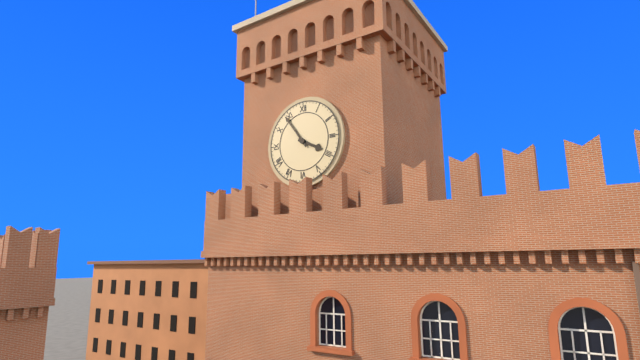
3:54
